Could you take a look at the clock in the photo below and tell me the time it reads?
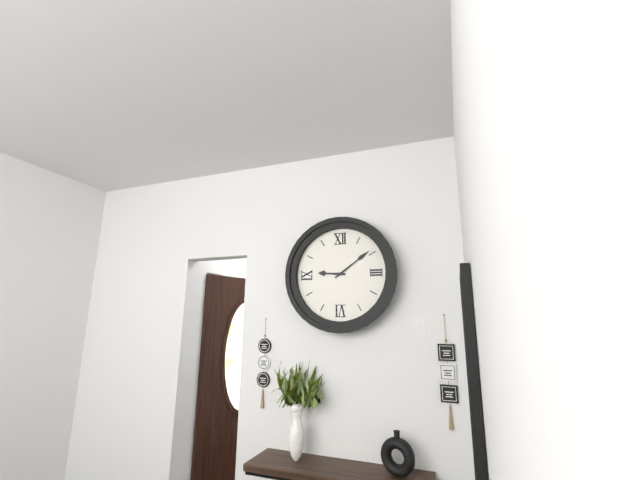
9:09
